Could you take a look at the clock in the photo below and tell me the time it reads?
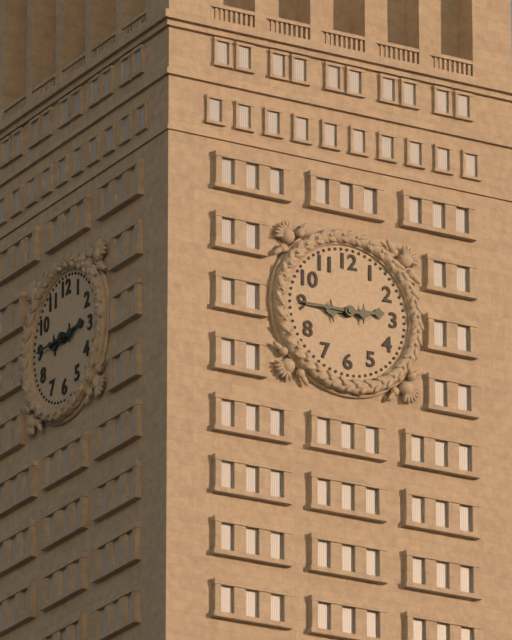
2:45
